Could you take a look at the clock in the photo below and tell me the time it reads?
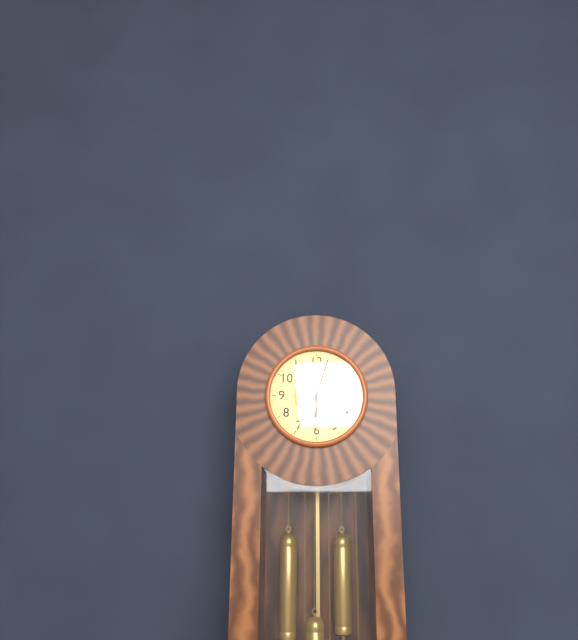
6:03
